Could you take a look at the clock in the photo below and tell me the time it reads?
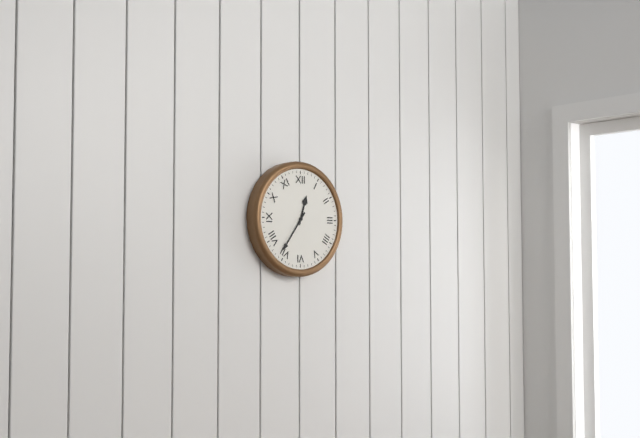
12:36
